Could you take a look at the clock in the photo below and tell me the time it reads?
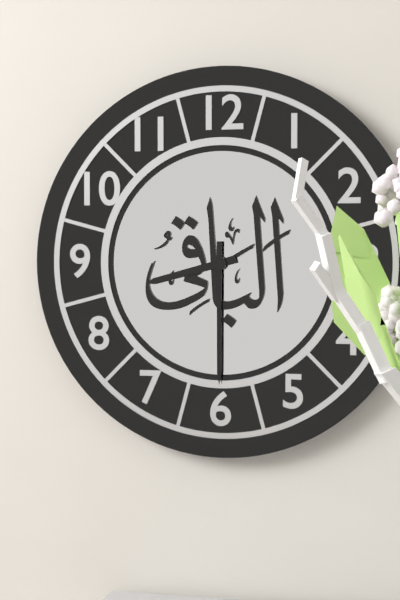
8:30
